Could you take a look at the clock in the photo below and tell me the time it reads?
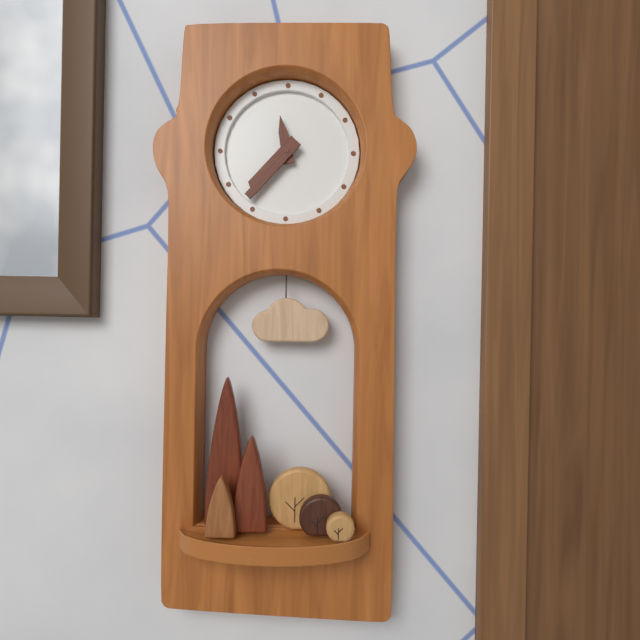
11:37
